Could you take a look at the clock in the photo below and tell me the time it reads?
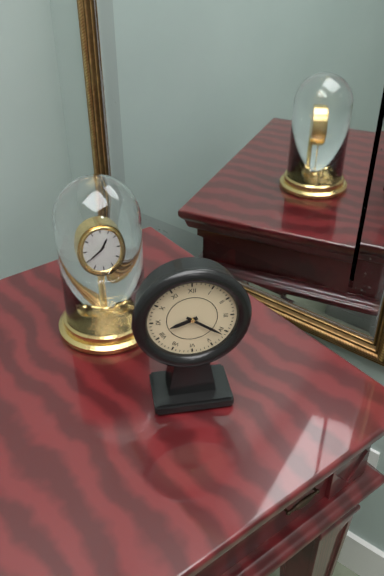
8:21
